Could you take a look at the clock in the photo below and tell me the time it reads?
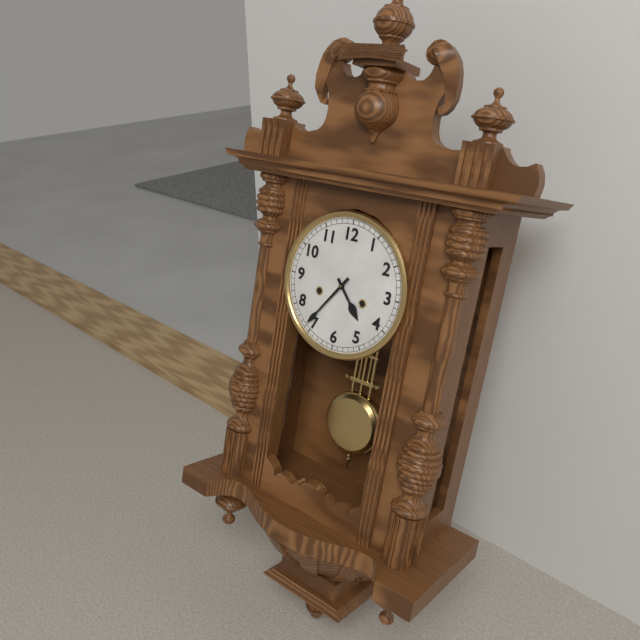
4:36
